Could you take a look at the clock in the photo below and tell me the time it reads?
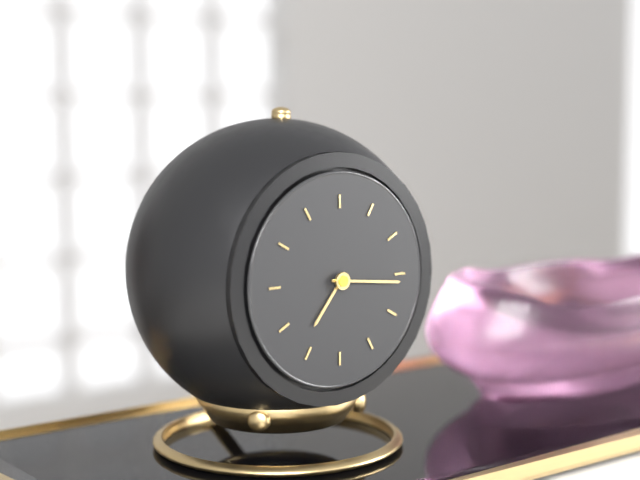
7:16
